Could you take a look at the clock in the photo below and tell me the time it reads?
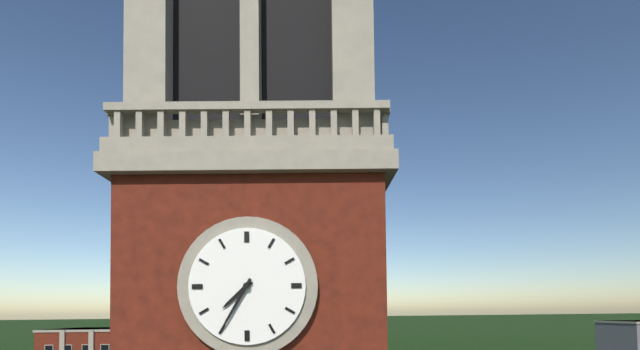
7:35
